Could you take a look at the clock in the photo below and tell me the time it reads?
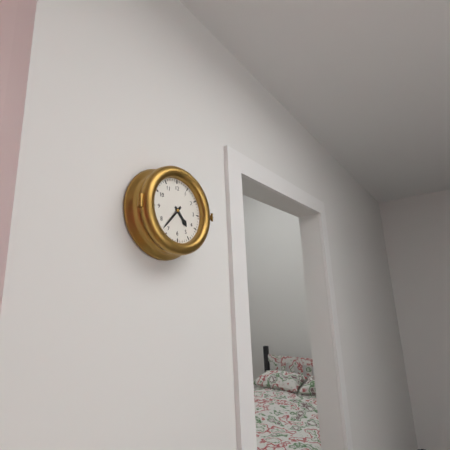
4:37
